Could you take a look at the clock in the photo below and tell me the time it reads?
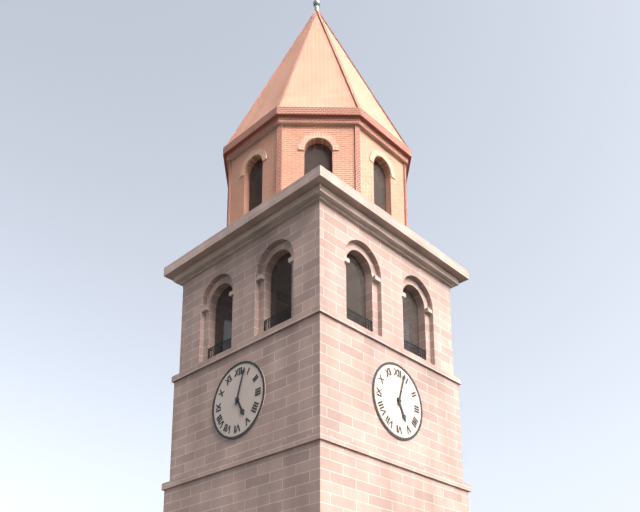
5:03
